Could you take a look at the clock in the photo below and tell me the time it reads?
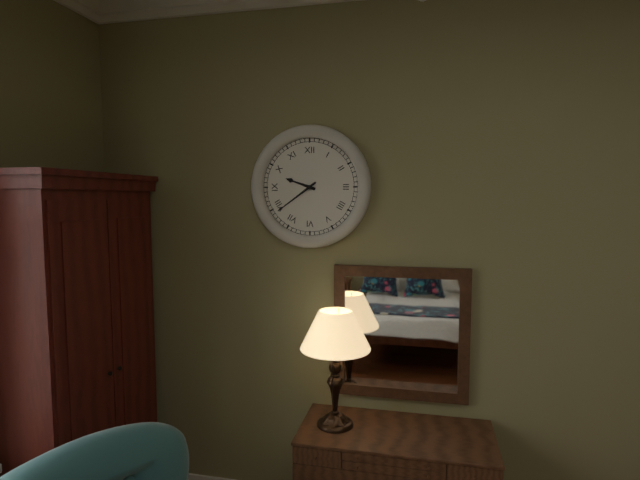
9:39
